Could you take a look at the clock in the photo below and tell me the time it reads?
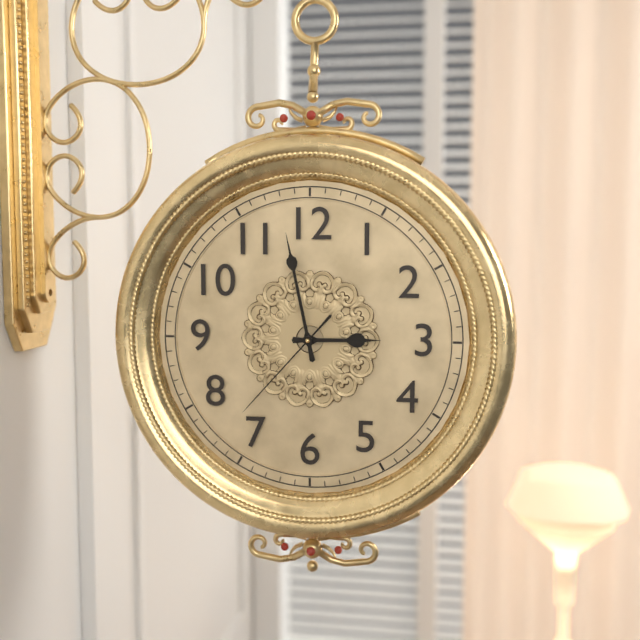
2:58:37
